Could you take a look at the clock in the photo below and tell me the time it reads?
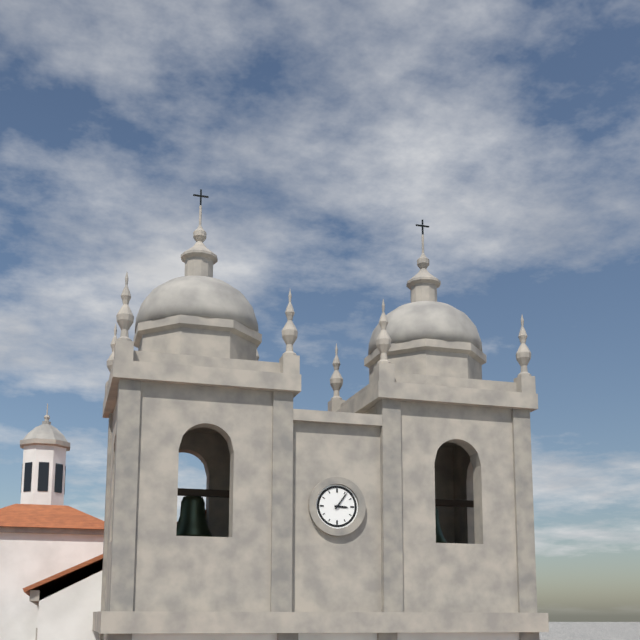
3:06
